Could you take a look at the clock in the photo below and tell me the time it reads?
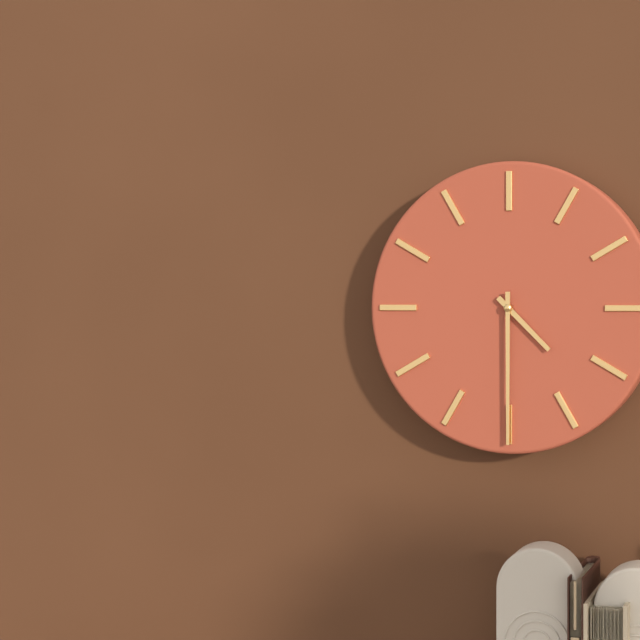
4:30
